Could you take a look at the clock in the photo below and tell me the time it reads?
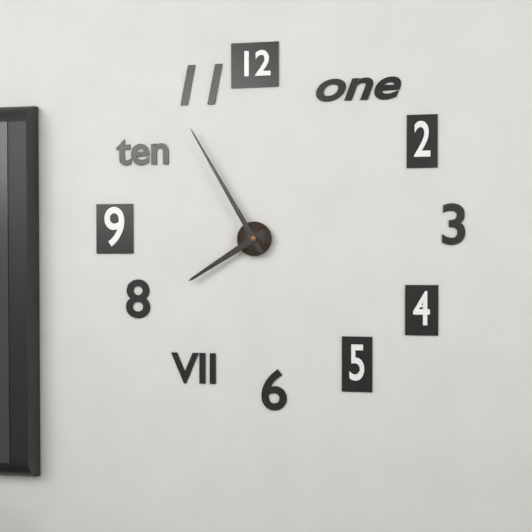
7:55
